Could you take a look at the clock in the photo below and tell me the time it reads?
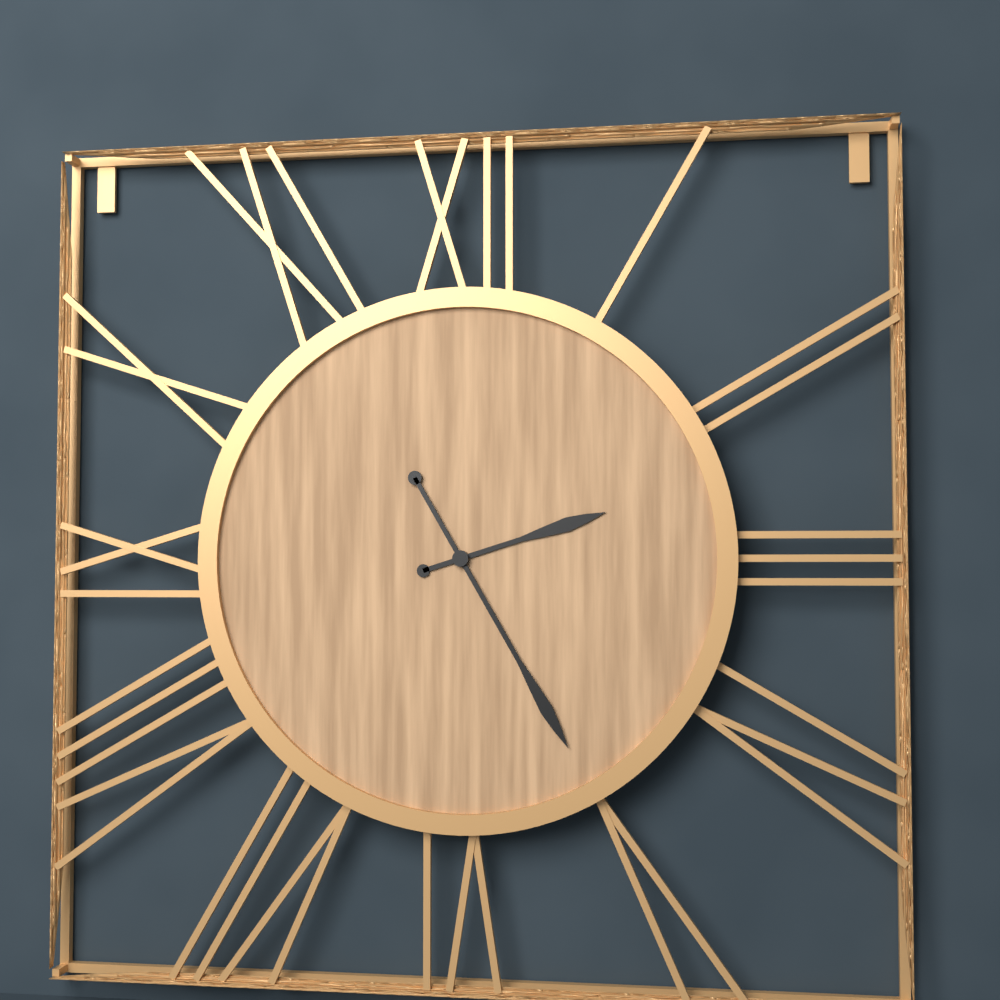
2:25
